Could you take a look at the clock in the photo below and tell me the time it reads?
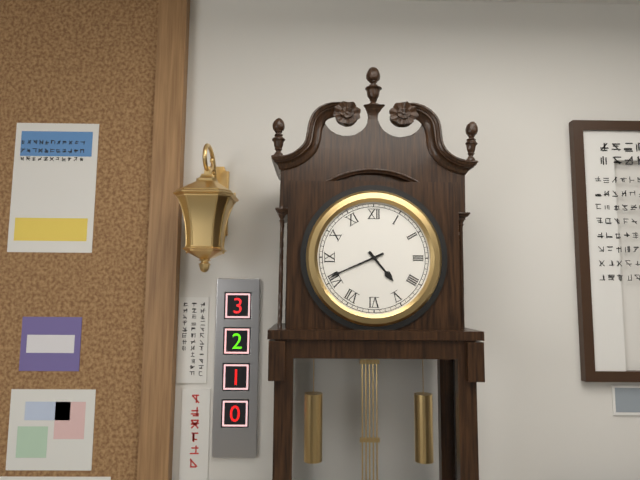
4:41
